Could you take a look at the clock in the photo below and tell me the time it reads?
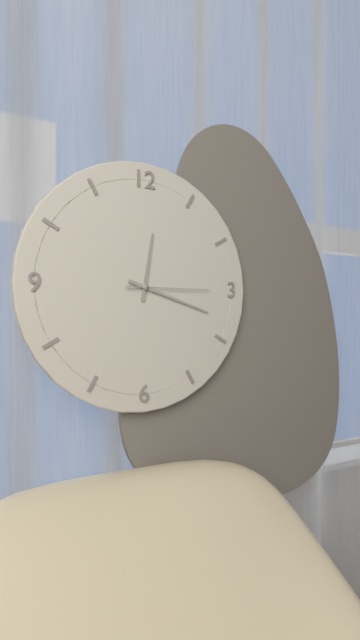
12:18:15
